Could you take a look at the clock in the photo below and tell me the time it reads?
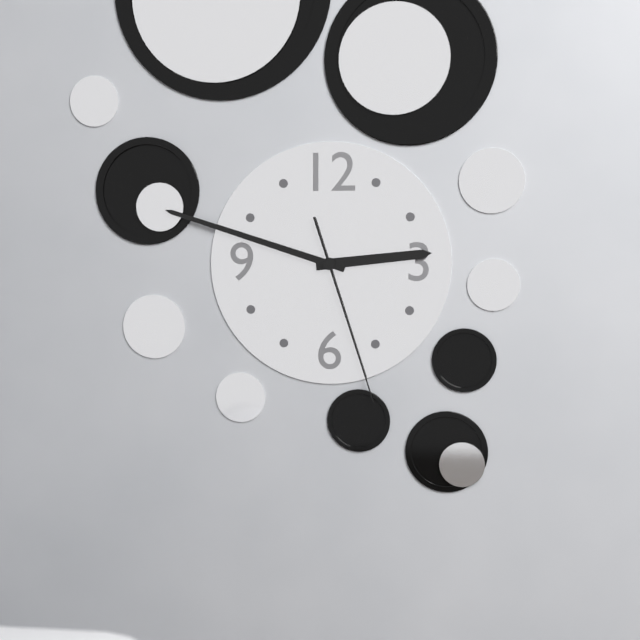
2:48:27
